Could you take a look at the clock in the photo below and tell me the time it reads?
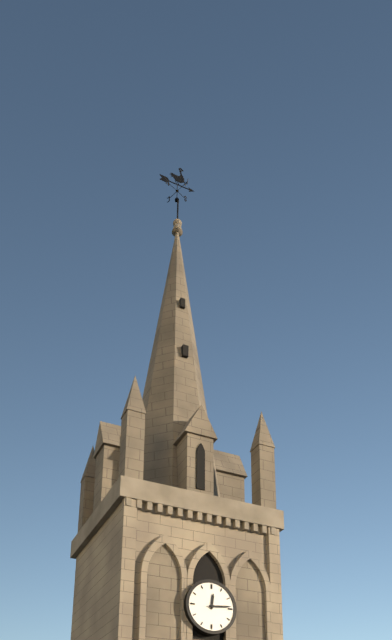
12:14
